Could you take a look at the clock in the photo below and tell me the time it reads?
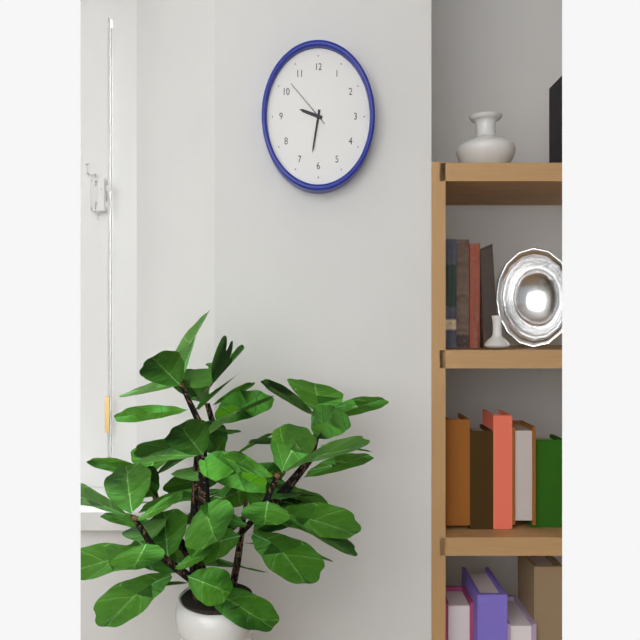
9:32:52
